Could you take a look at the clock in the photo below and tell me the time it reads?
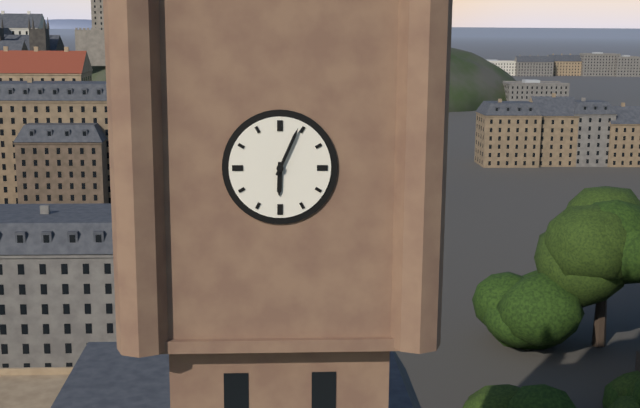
6:04
